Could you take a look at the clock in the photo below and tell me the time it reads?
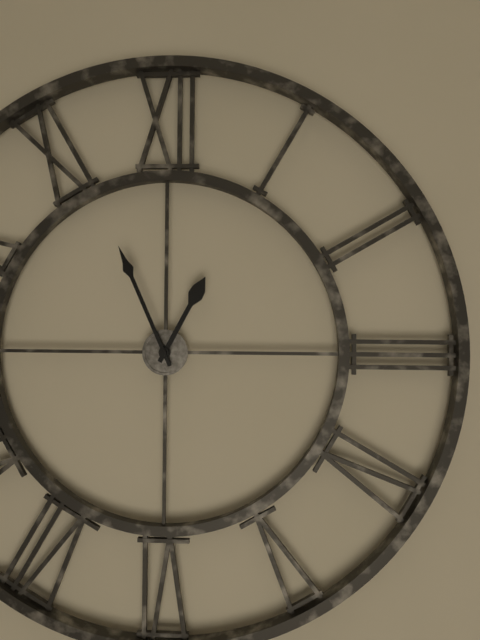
12:56
